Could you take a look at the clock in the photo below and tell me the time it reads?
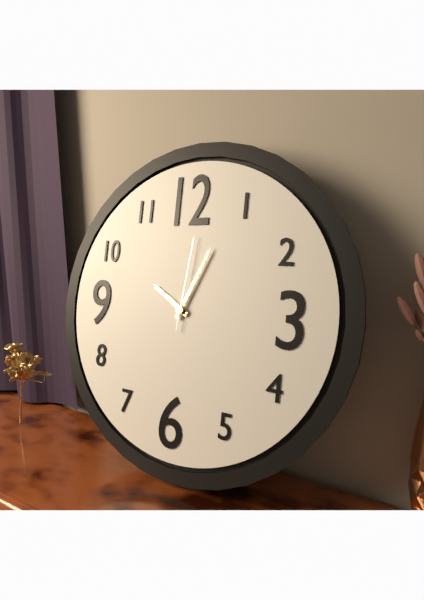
10:04:01
